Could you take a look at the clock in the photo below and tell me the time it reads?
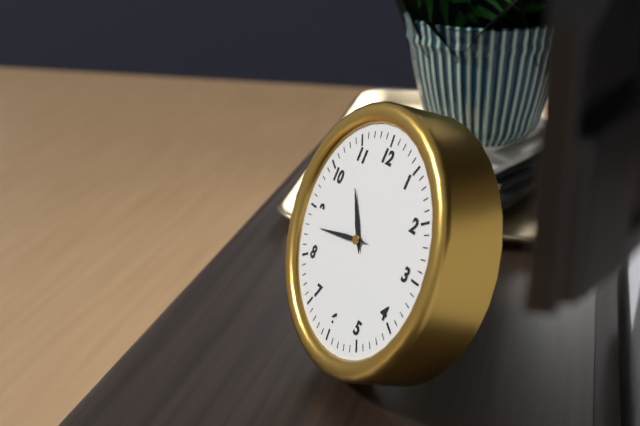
10:43
